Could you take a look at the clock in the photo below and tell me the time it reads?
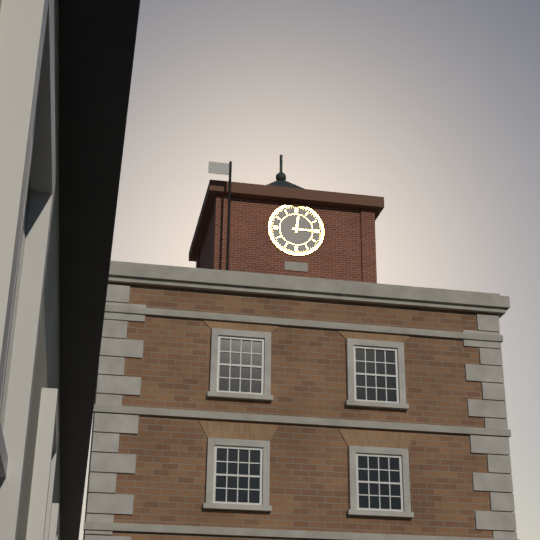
12:15
